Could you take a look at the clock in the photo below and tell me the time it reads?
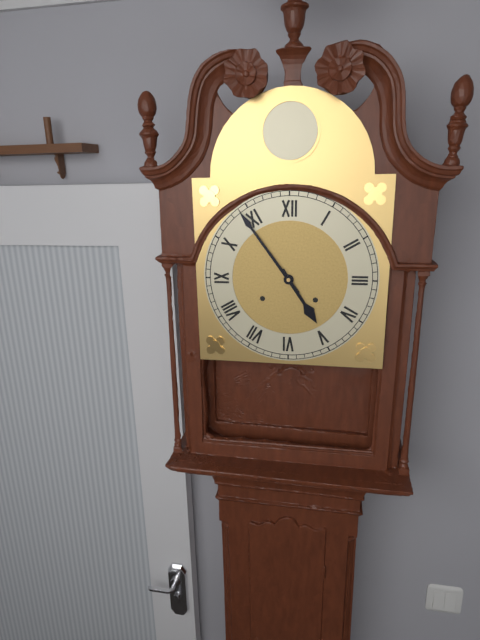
4:54
